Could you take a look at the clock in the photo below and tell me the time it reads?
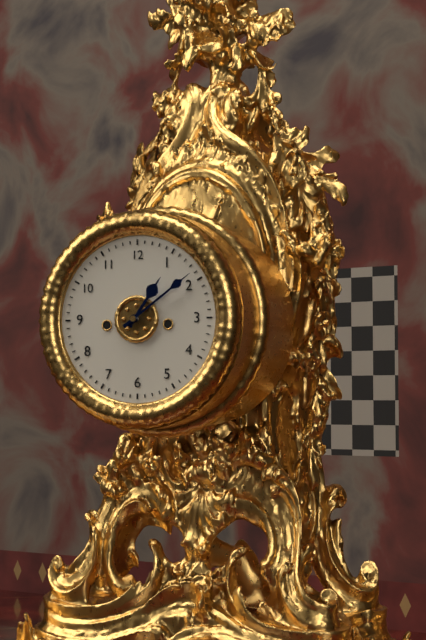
1:09
